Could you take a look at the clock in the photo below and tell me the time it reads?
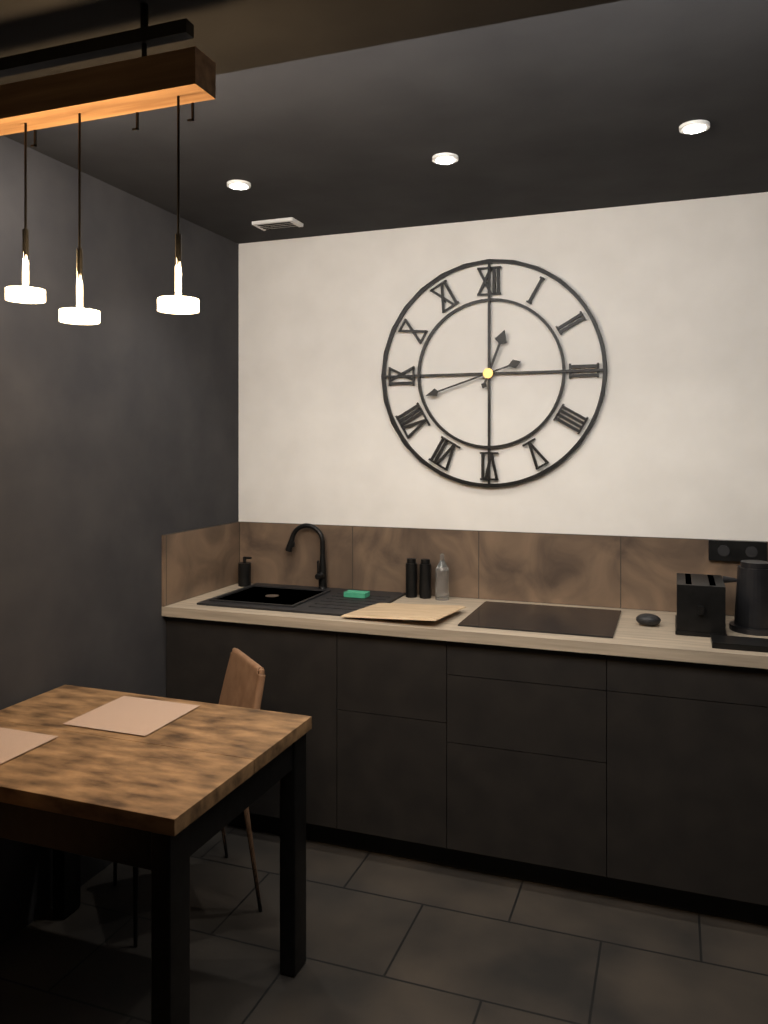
12:42
